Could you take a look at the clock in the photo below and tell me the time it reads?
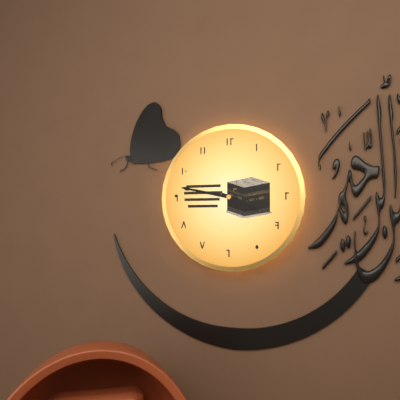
3:47
